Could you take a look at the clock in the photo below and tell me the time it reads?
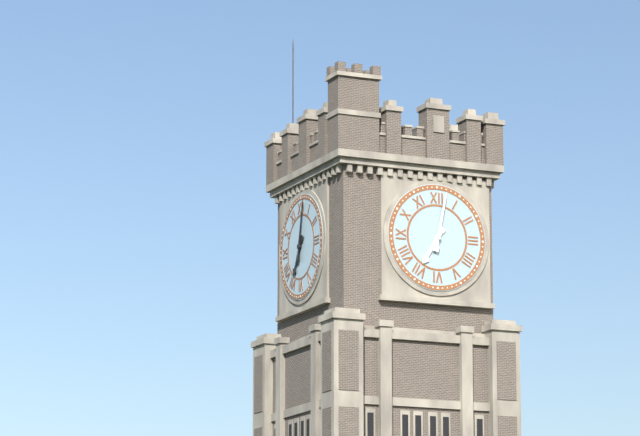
7:02
